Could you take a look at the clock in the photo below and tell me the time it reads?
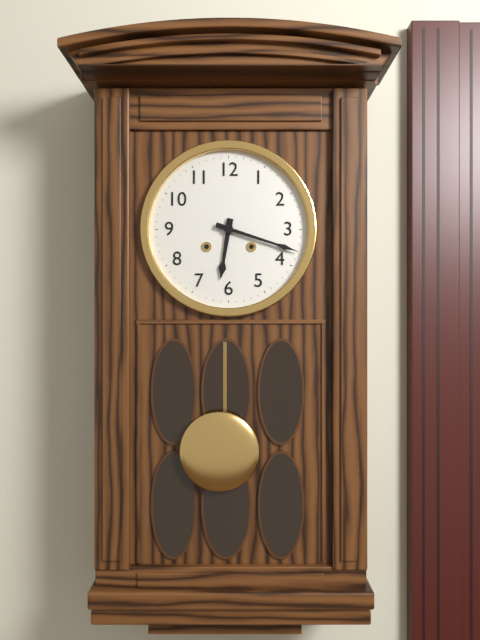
6:18
